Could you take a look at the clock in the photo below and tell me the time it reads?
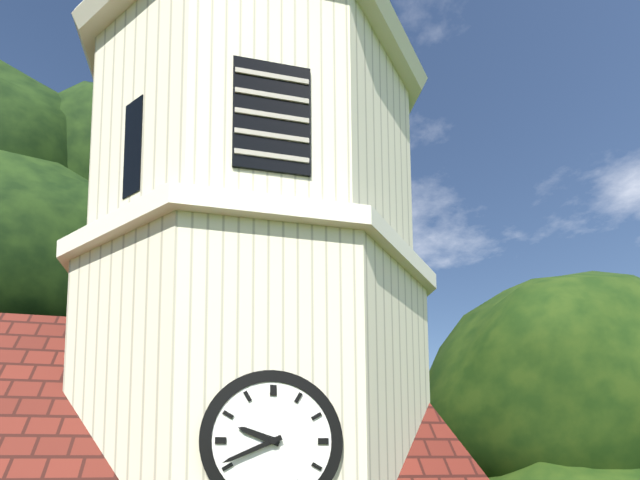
9:41
